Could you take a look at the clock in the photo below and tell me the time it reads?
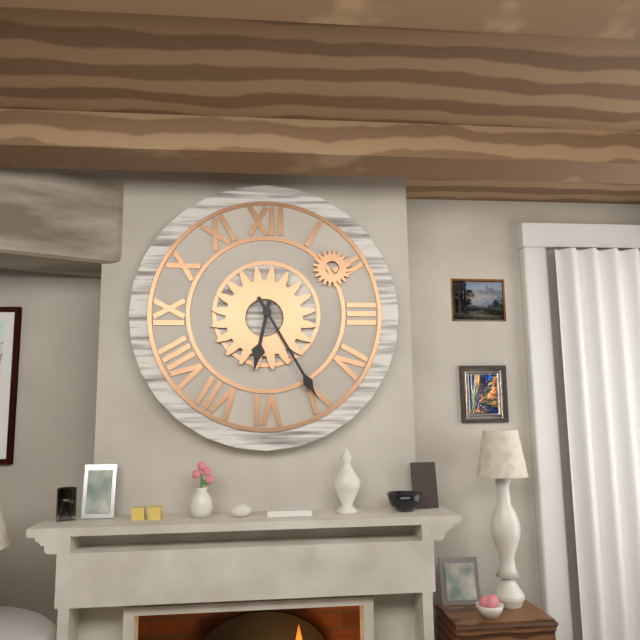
6:25
